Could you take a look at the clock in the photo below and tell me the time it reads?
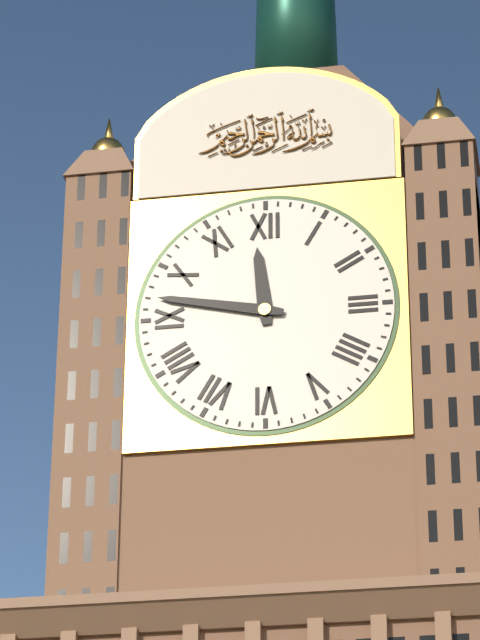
11:47
